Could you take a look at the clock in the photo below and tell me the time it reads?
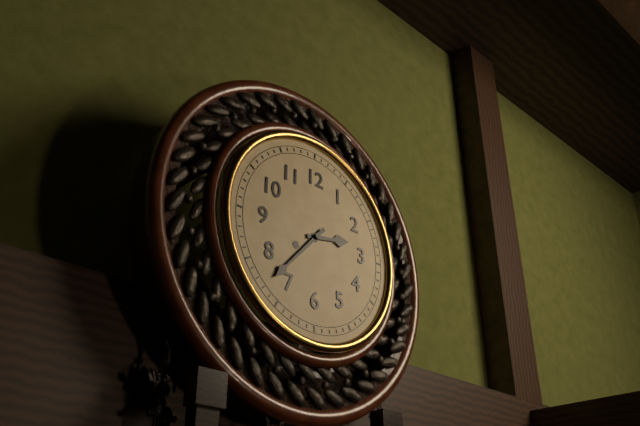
2:37
